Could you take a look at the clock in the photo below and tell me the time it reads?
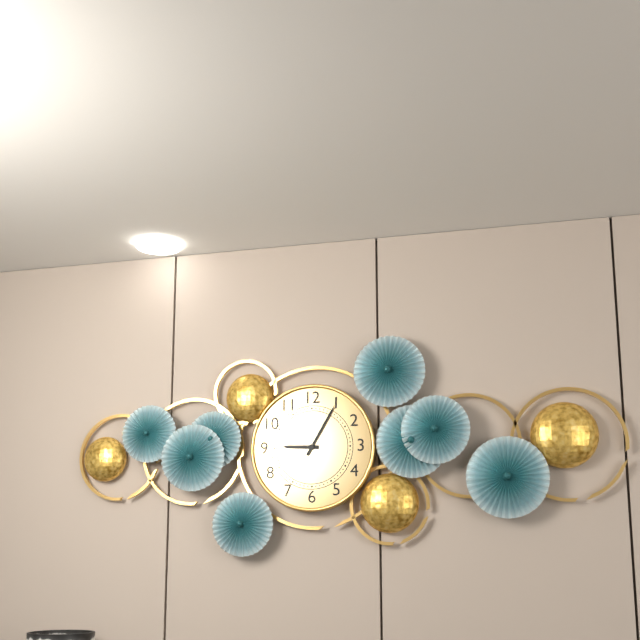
9:05
